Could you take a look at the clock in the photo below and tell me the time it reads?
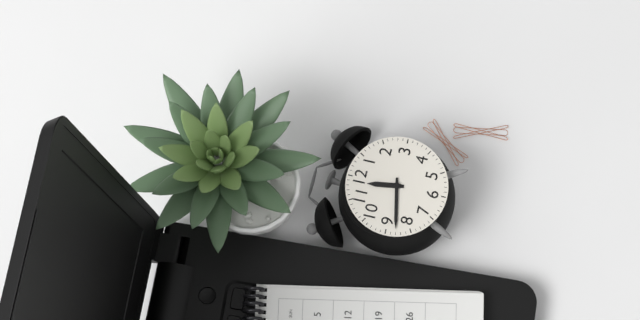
11:43
